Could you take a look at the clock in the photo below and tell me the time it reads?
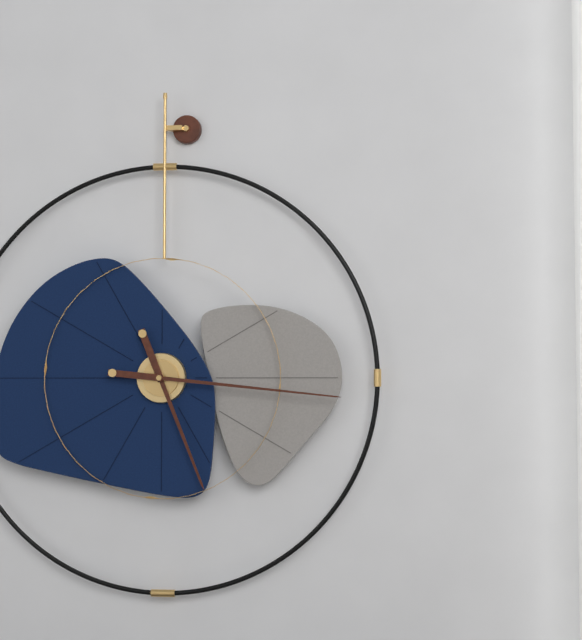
5:16
